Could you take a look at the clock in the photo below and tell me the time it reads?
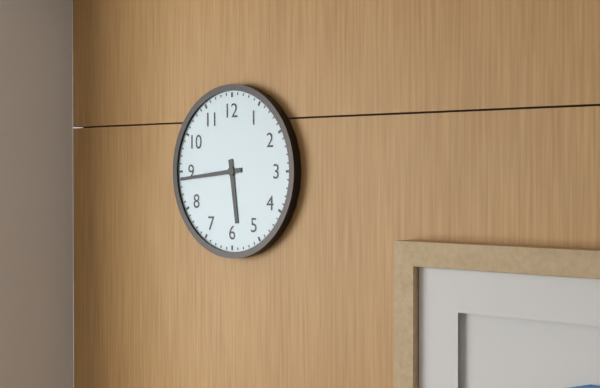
5:44
